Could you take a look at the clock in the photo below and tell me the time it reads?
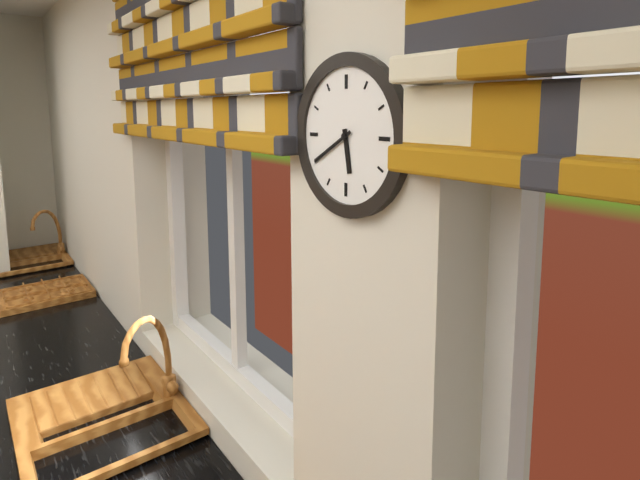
5:40
